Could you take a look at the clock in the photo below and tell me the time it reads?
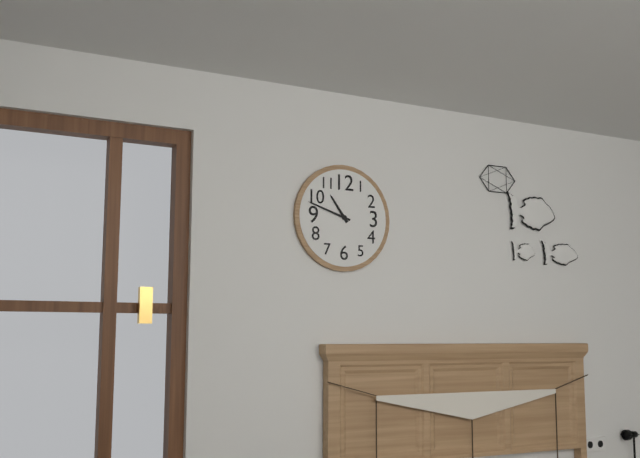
10:48
